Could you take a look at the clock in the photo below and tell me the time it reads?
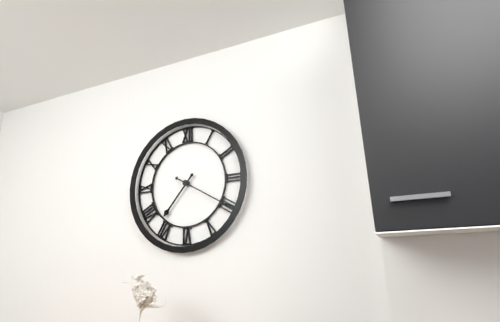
7:20
